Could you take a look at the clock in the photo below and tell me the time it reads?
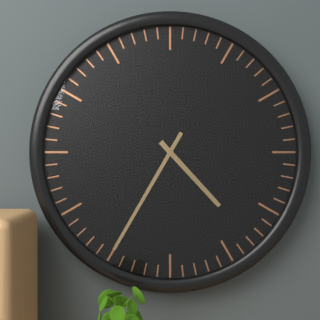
4:35
